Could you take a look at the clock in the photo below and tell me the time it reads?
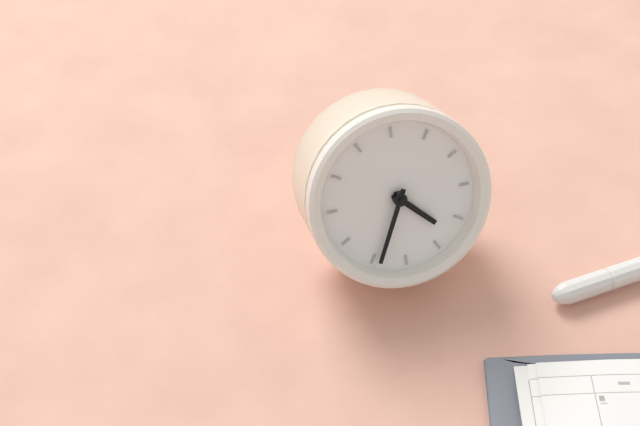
3:29
